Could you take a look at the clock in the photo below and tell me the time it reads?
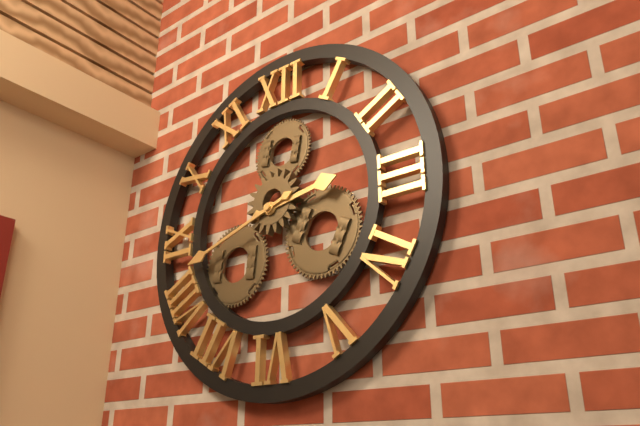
2:42
